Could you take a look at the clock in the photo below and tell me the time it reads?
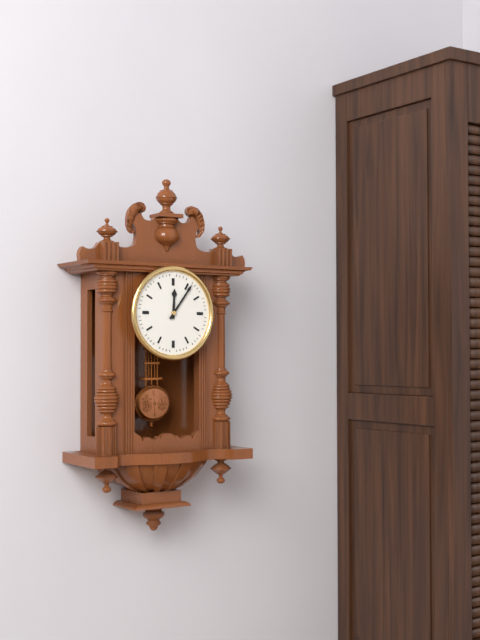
12:06
